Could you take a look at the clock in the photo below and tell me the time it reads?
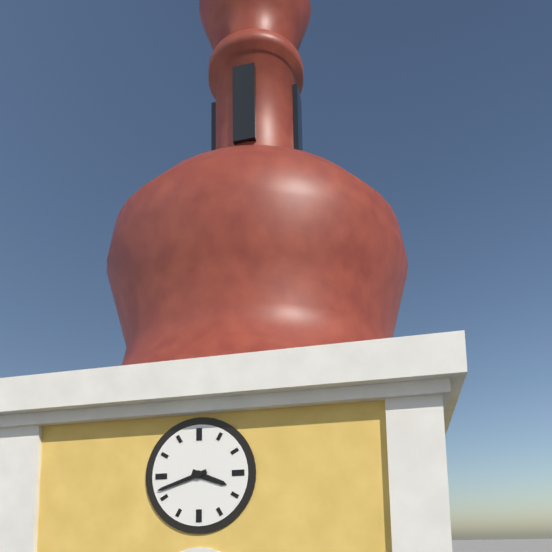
3:42
